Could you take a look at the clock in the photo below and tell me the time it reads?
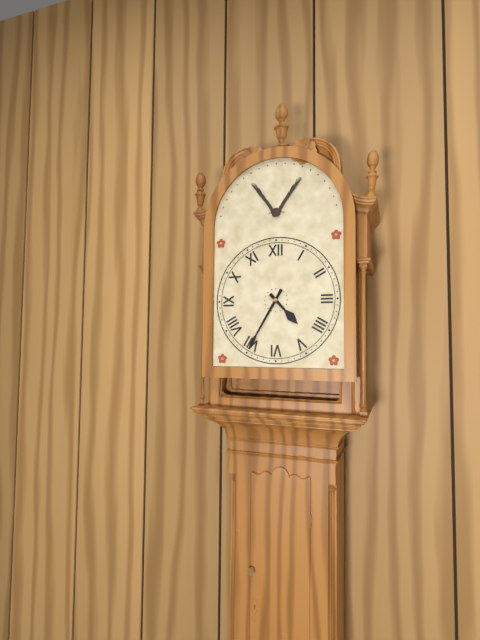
4:35
